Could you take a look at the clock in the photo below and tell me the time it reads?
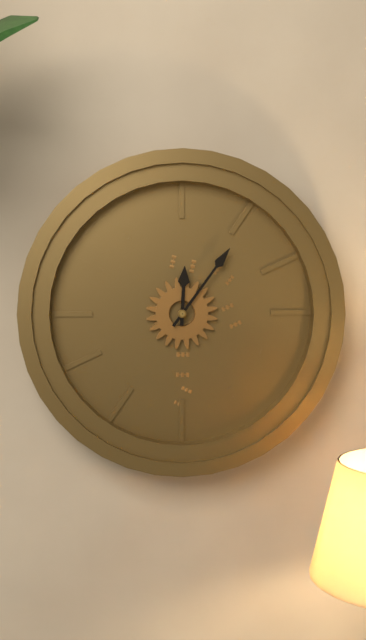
12:06
